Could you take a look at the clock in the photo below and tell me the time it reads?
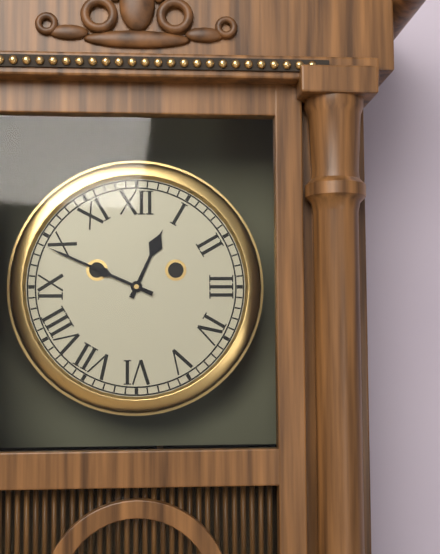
12:49
